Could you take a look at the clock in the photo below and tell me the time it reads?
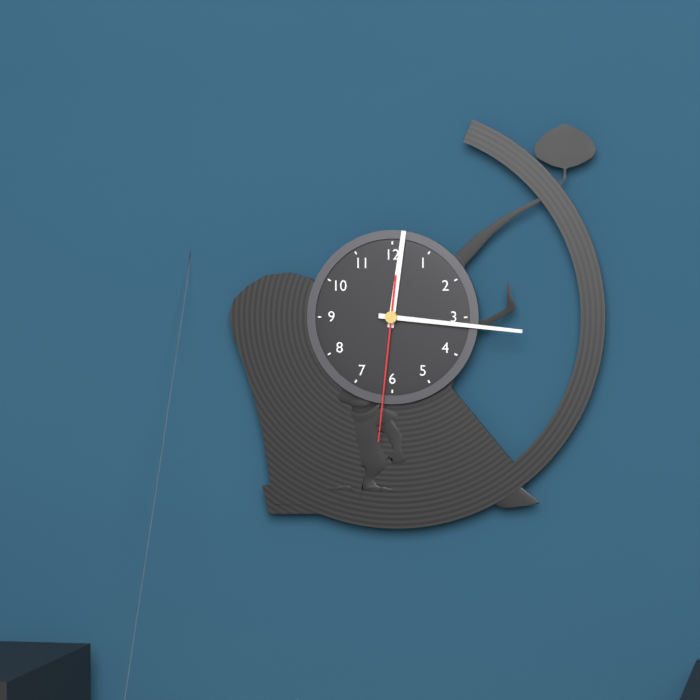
12:16:31
